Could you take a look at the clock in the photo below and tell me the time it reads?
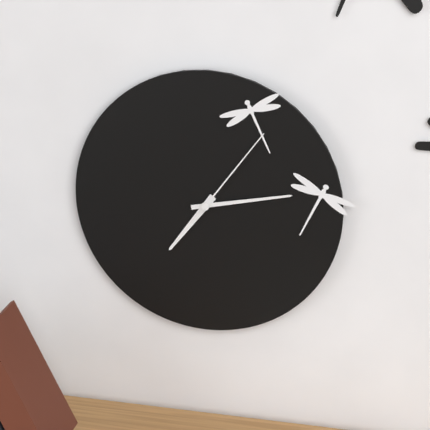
7:13:06
